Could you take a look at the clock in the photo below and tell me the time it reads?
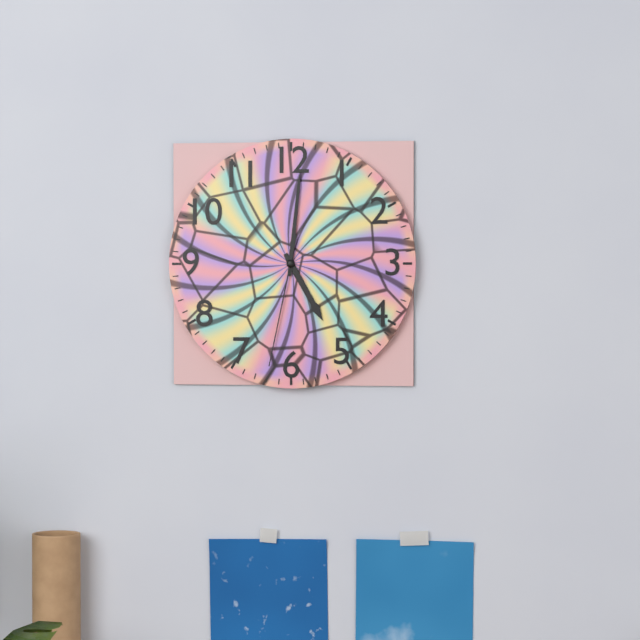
5:01:32
